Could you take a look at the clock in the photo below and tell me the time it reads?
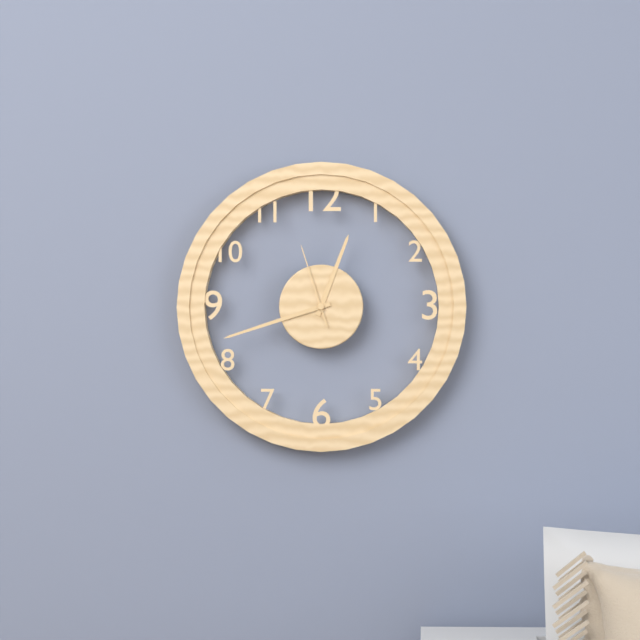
12:42:57
